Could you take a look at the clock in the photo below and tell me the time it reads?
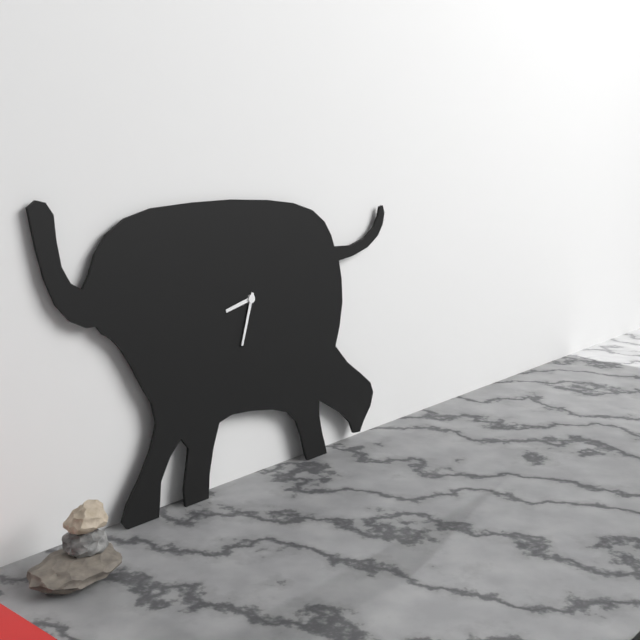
8:33
